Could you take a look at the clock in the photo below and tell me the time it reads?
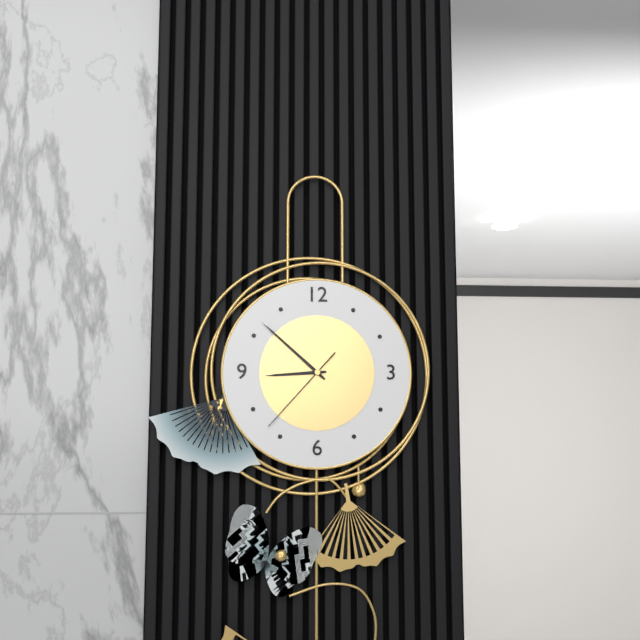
8:52:37
